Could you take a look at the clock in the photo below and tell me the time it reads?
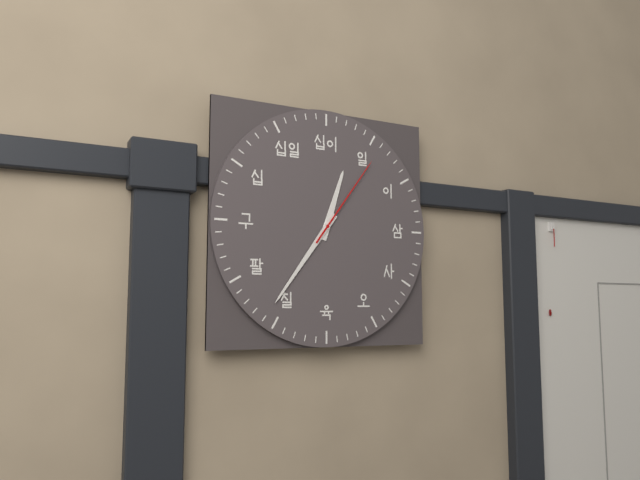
12:36:06
